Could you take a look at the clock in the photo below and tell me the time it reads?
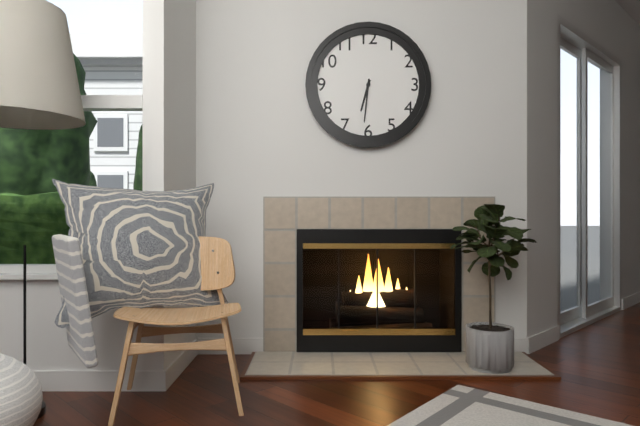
6:31
